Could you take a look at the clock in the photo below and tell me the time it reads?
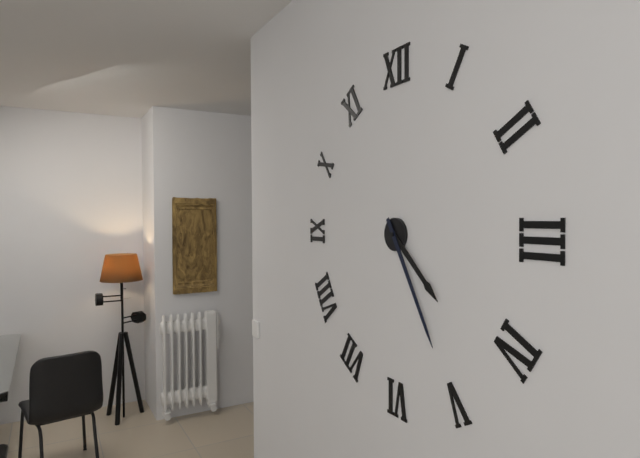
4:25
